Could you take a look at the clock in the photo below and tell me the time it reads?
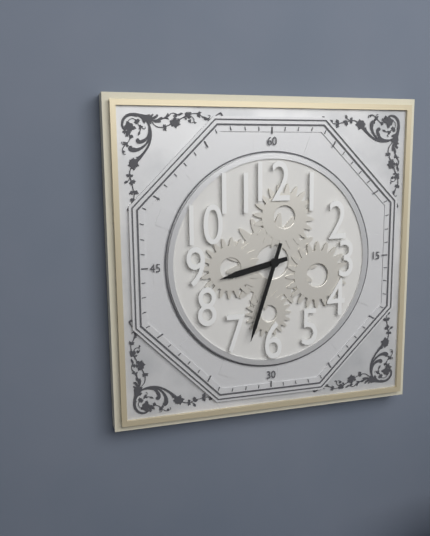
8:33
